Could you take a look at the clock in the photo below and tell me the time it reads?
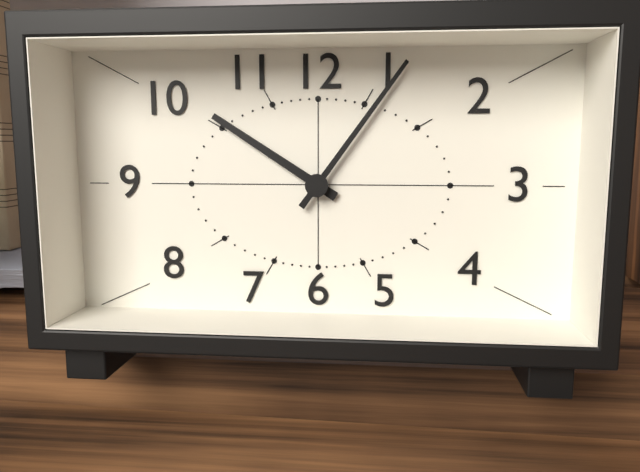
10:06
